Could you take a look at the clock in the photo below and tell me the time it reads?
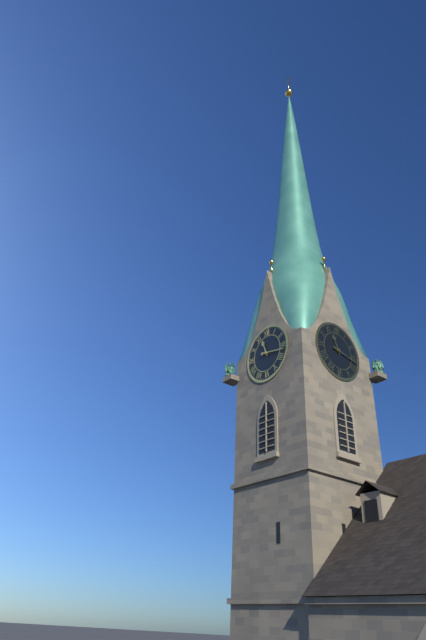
11:17
